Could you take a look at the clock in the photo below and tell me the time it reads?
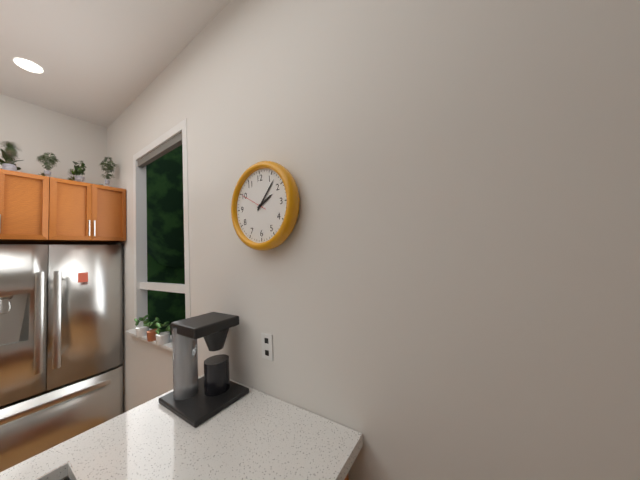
2:07
